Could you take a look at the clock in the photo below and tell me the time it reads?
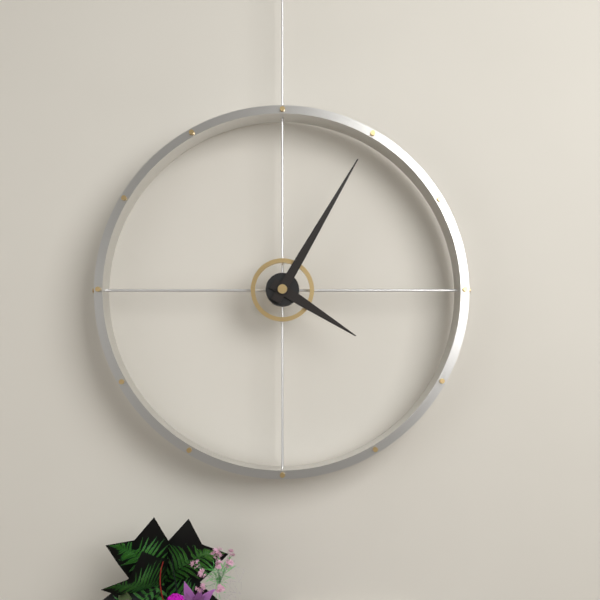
4:05
